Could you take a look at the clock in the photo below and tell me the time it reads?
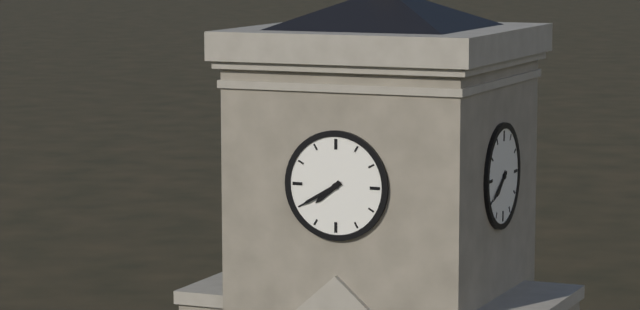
7:40
